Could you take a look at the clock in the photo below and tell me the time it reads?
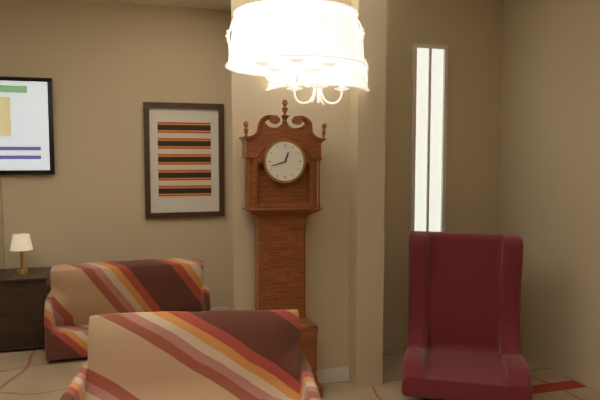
12:42
